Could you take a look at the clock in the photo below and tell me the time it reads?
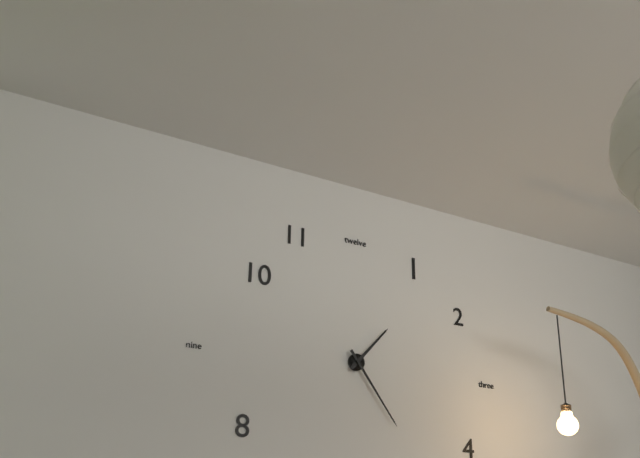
1:24
